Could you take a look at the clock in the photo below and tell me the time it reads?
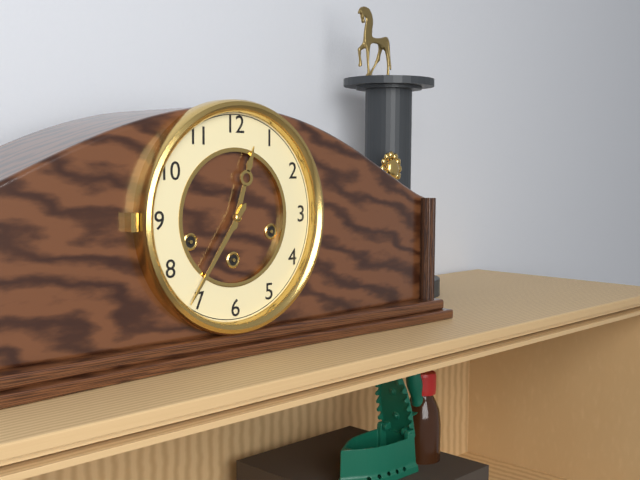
12:36
